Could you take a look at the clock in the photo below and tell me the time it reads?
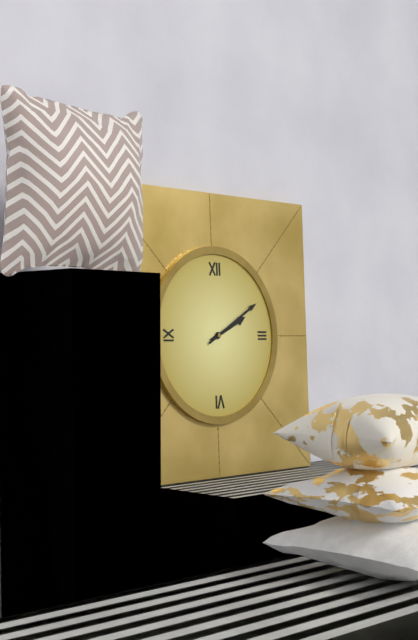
2:10
